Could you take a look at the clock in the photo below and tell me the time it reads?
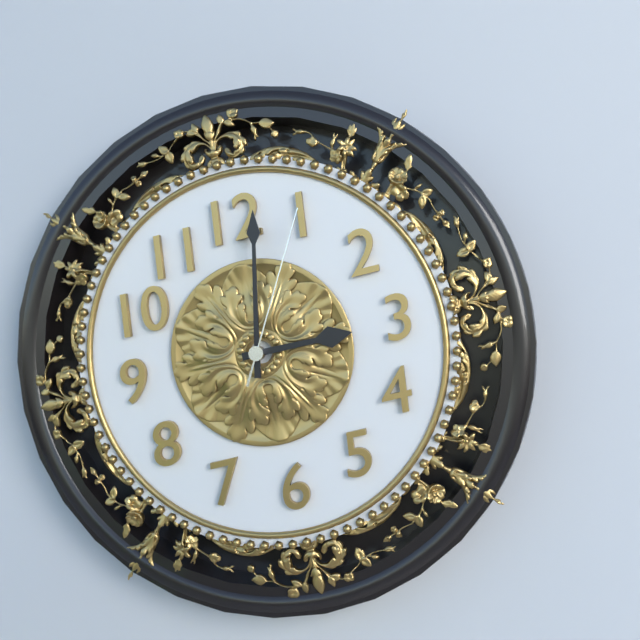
3:02:05
